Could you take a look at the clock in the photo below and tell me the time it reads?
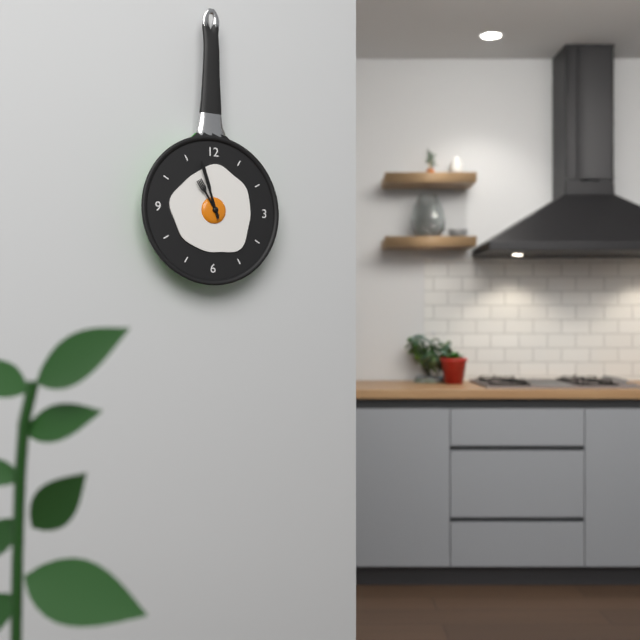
10:57
